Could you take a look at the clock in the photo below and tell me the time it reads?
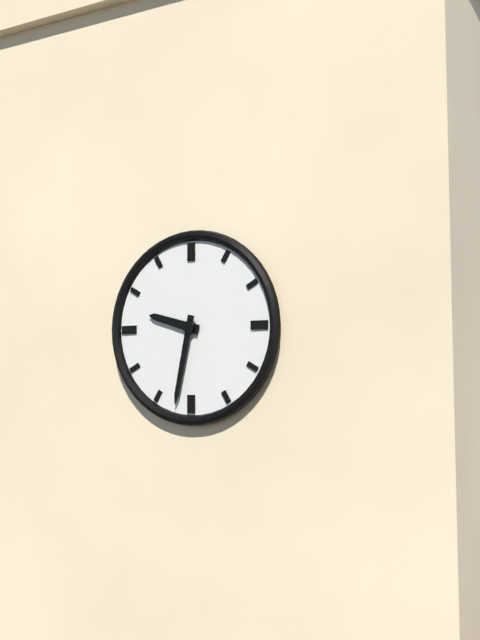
9:32
